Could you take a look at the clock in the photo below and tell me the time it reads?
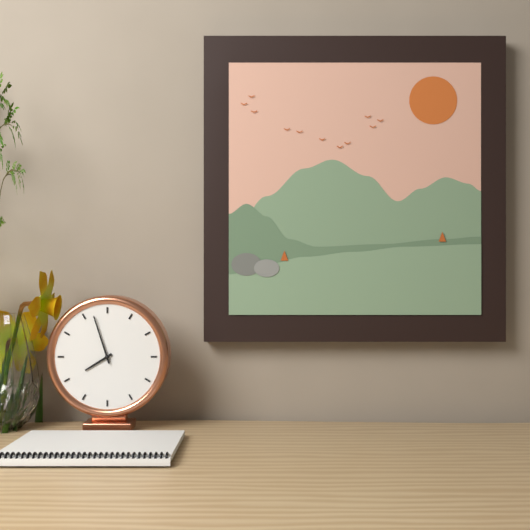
7:57
